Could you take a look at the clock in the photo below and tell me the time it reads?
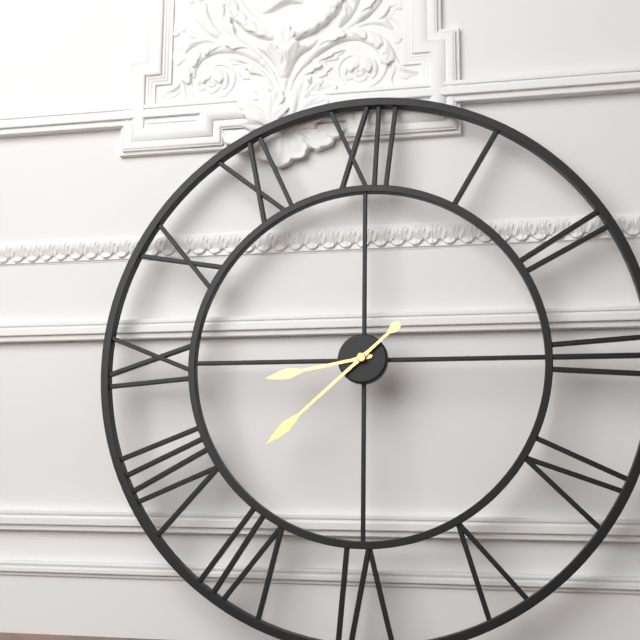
8:38
